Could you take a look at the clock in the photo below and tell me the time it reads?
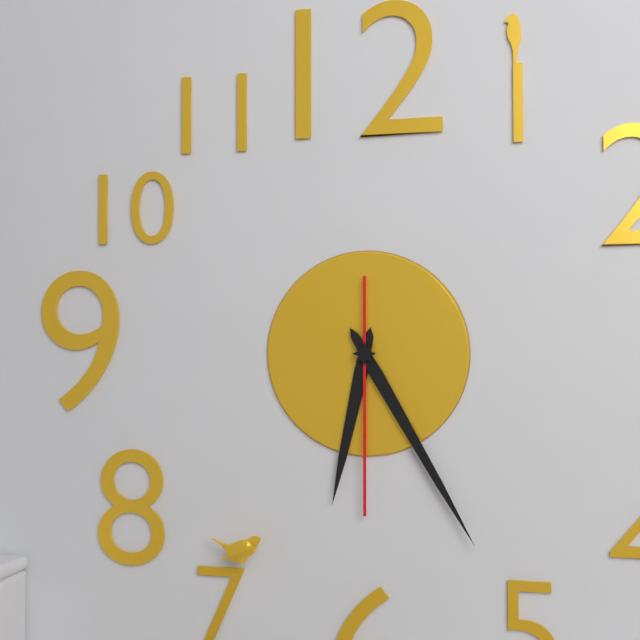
6:25:30
